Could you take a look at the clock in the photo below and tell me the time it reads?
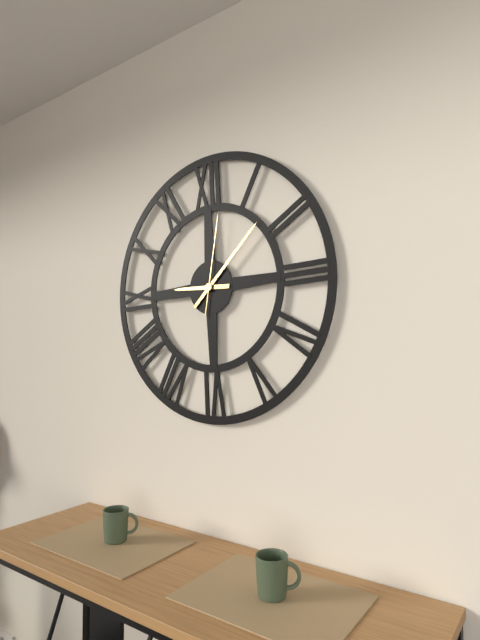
9:08:02
